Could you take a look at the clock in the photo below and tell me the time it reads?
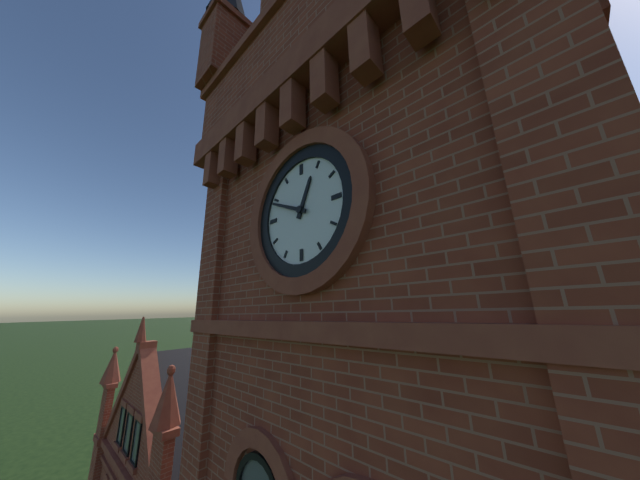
12:49
